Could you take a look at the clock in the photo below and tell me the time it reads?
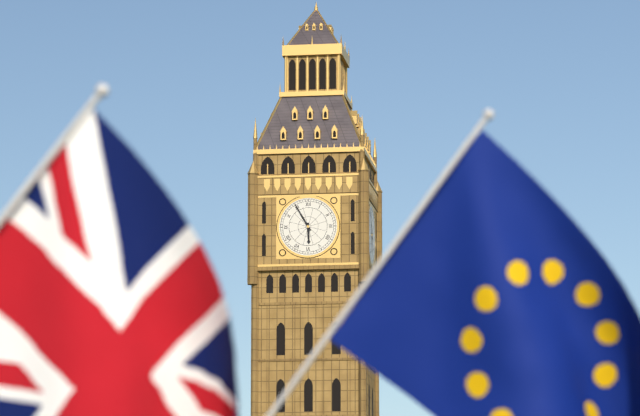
5:55
